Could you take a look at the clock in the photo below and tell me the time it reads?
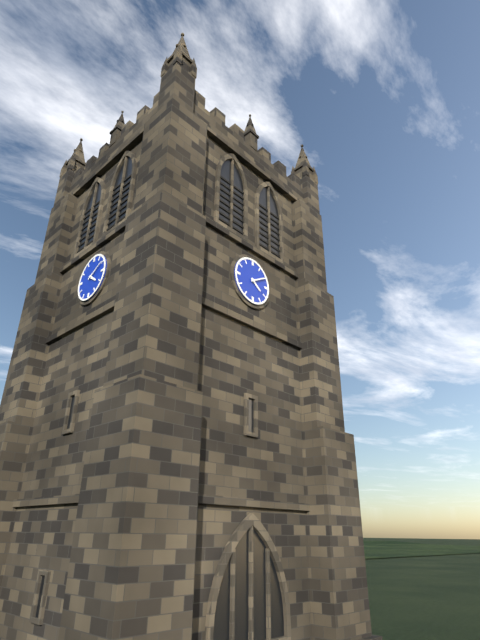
4:10
